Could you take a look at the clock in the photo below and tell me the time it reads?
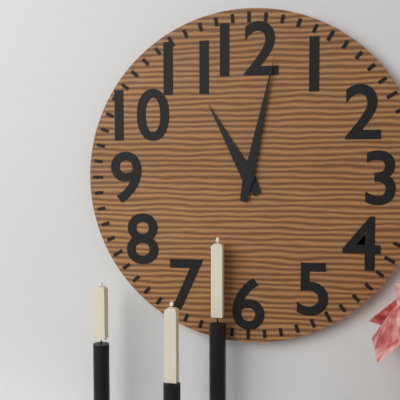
11:02
